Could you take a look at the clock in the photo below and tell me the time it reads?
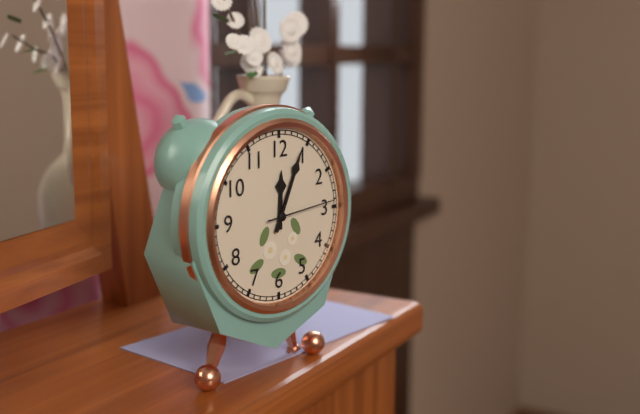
12:04:14
